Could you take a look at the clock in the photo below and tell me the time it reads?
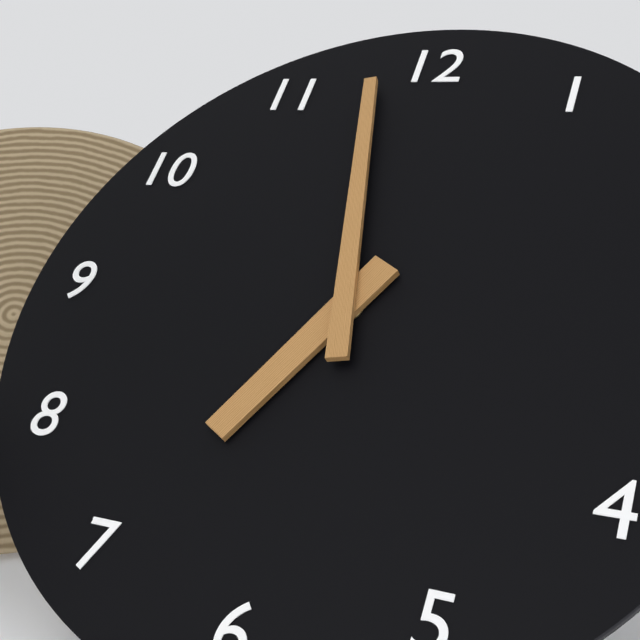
6:58
